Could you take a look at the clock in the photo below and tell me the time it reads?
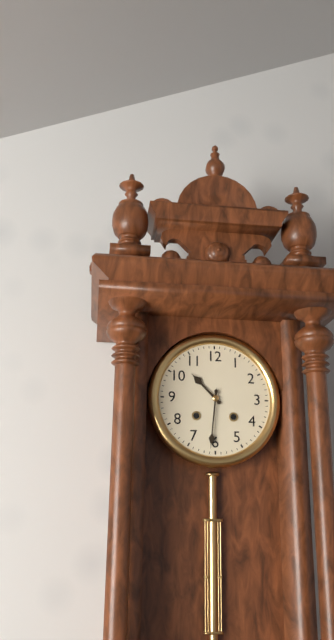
10:31
